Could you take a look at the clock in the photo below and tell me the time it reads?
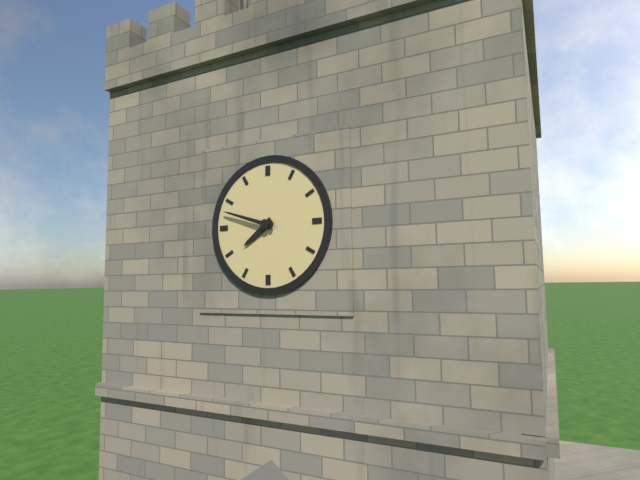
7:48
